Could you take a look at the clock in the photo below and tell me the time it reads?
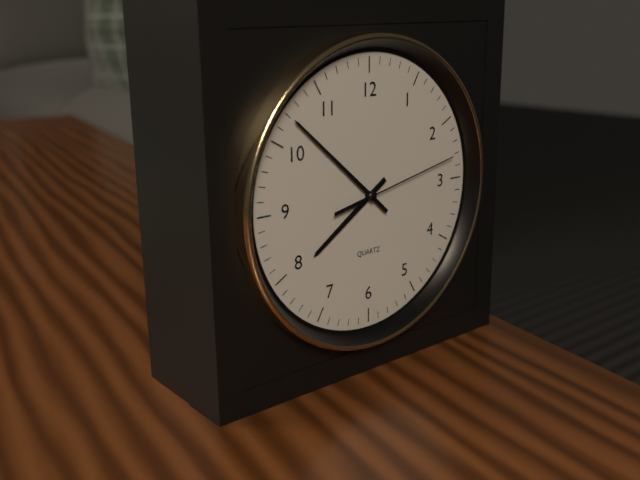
7:52:13
